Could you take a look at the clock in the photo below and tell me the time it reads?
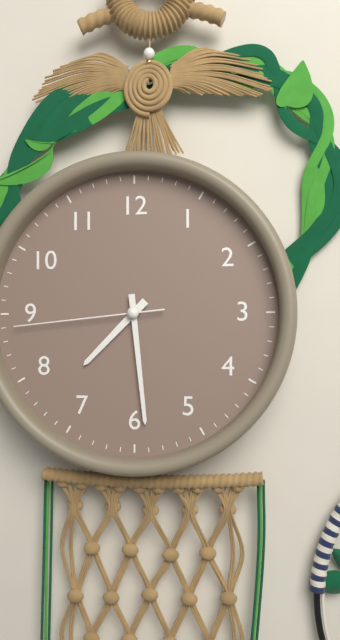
7:29:44
